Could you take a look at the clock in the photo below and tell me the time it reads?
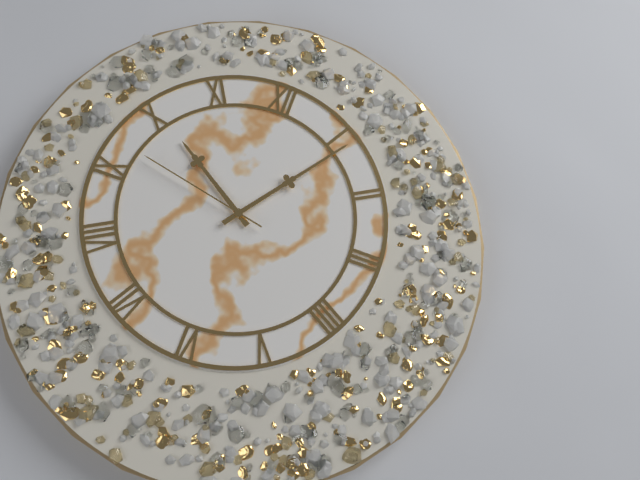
10:06:47
